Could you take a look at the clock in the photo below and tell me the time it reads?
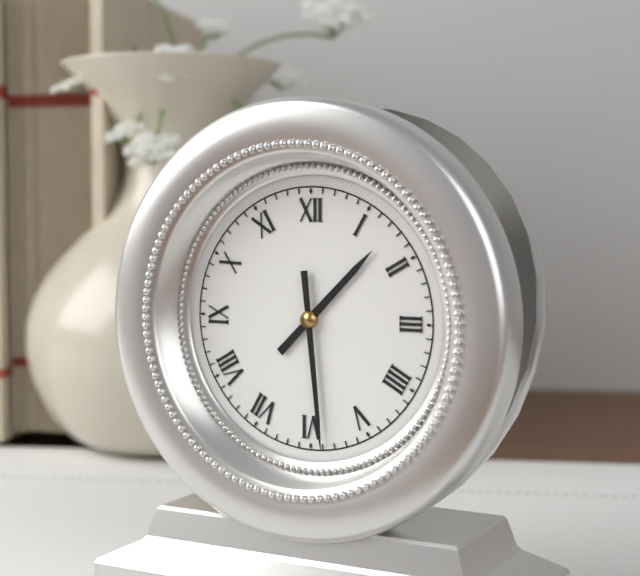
1:29
